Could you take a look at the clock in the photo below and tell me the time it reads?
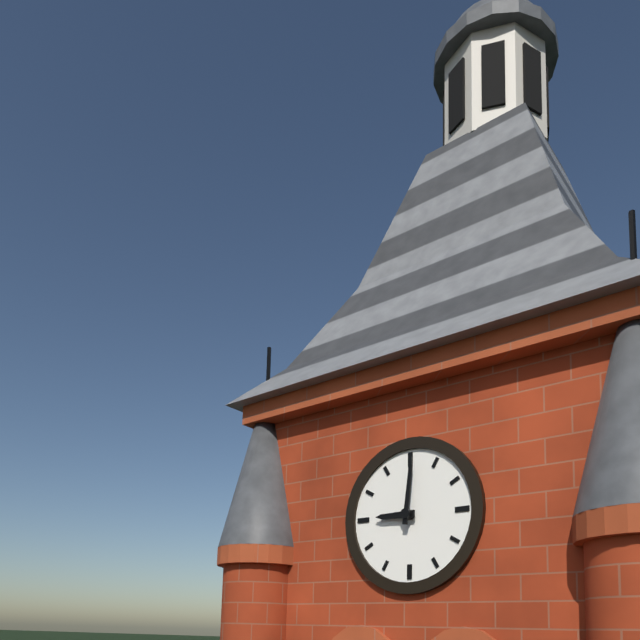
9:01
